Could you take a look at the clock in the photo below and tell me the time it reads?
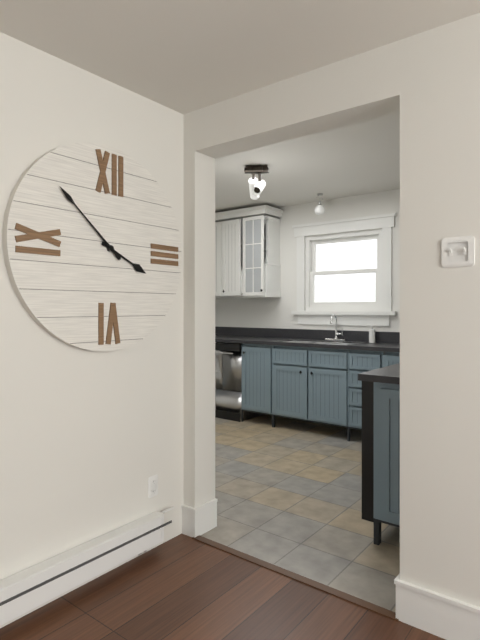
3:52
